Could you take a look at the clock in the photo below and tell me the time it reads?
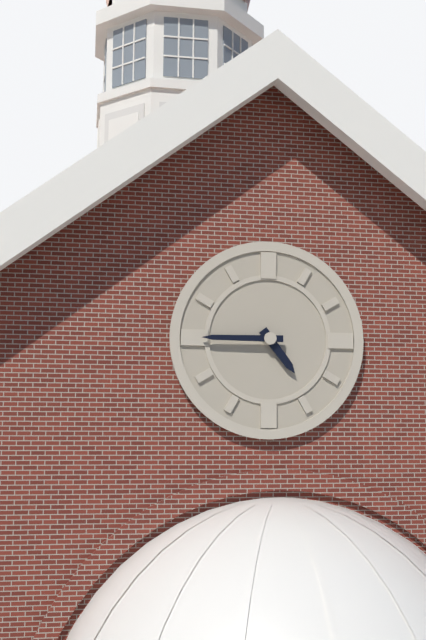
4:45
